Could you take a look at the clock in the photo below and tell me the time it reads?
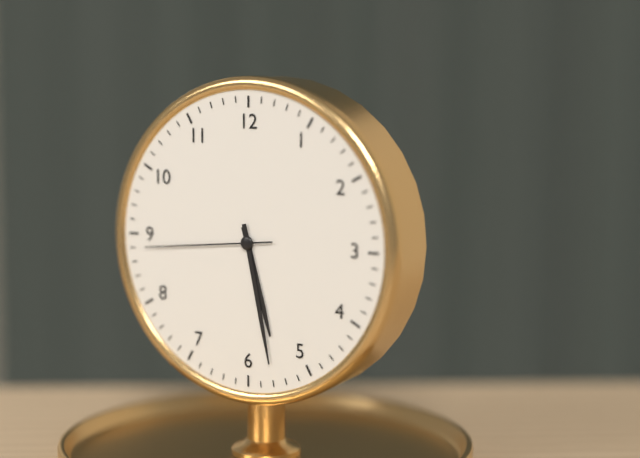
5:28:44
